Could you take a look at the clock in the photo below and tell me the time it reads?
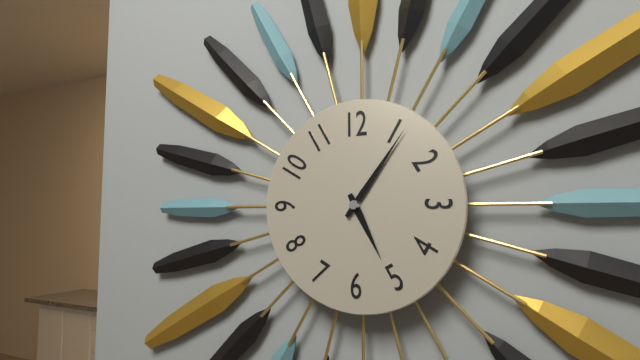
5:06
